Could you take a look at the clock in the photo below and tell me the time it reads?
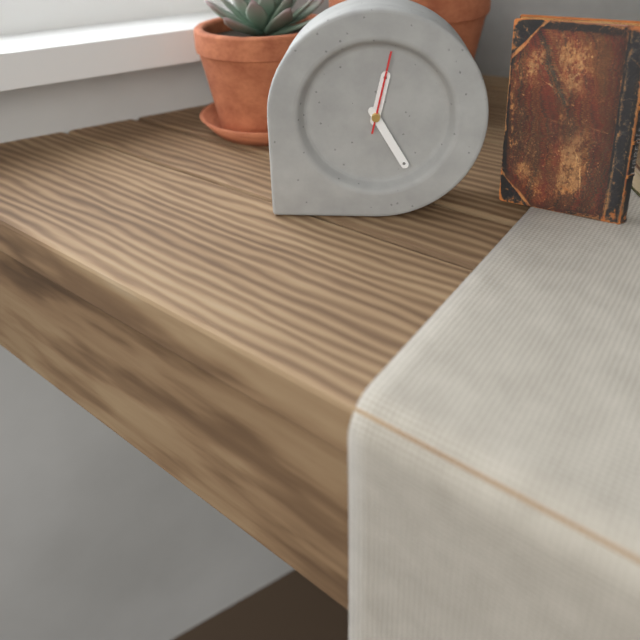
12:25:02
